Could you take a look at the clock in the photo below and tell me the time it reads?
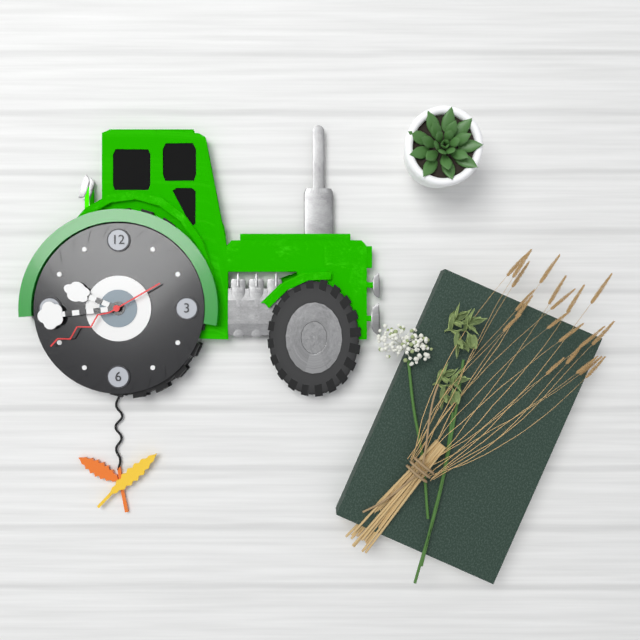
9:44:40
